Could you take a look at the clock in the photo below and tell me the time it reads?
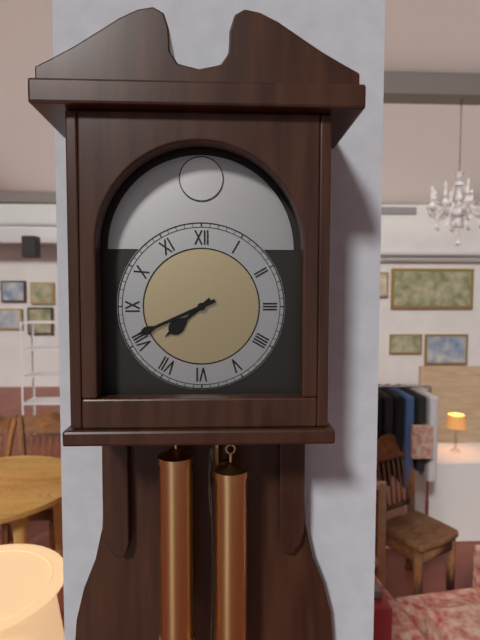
7:41
